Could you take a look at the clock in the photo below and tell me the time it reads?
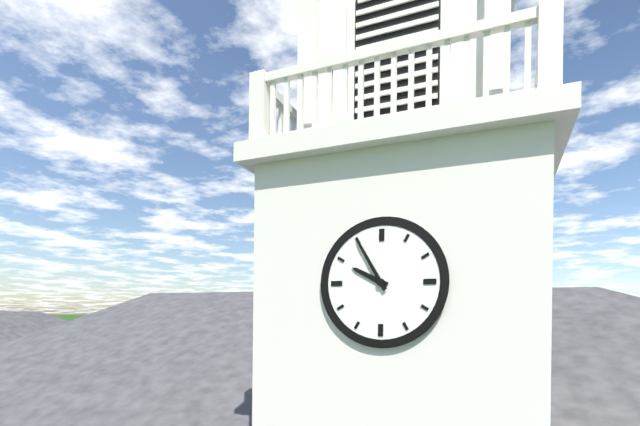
9:55
